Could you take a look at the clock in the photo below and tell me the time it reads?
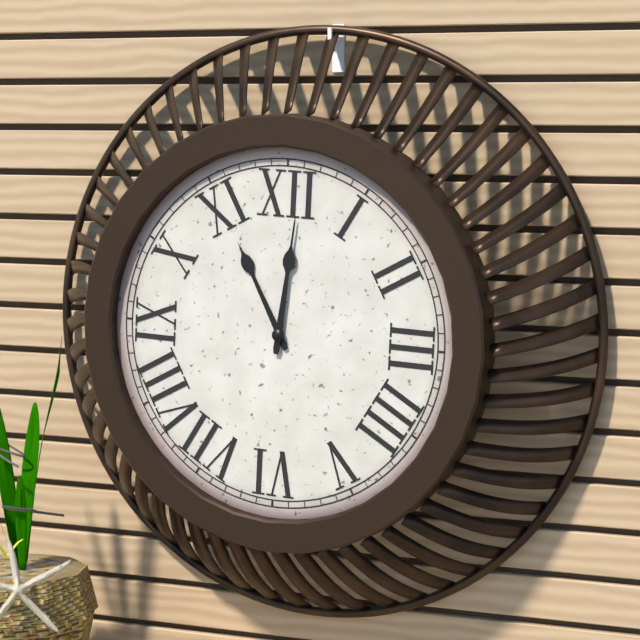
11:01
